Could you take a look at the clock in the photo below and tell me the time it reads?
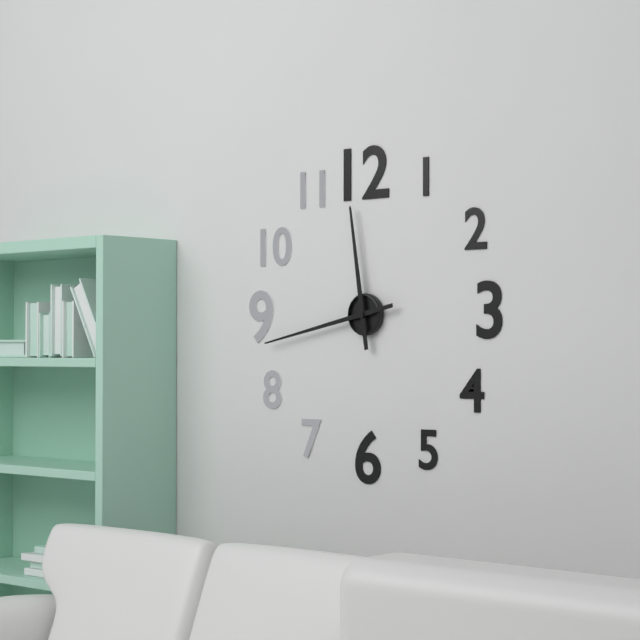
11:43
